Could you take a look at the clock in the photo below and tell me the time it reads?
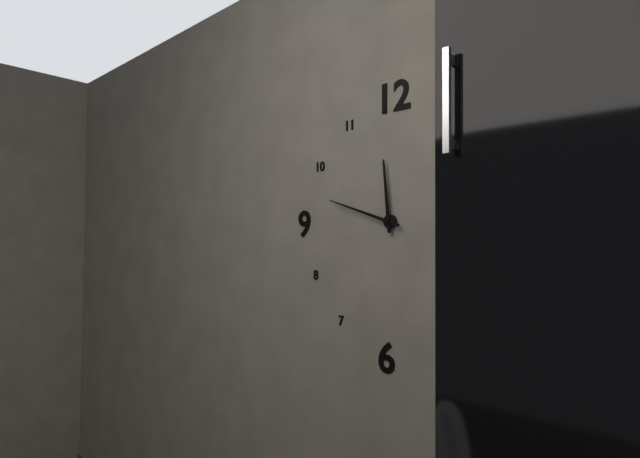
11:48
